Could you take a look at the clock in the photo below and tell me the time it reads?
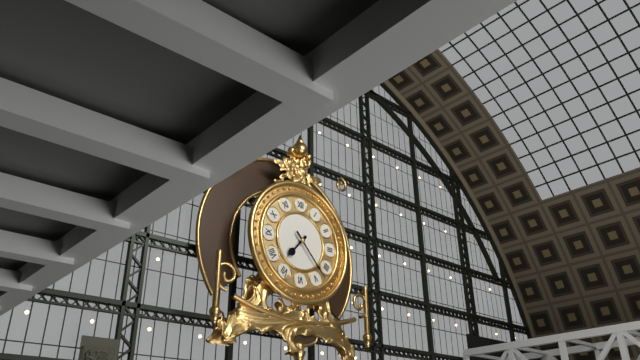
7:23
